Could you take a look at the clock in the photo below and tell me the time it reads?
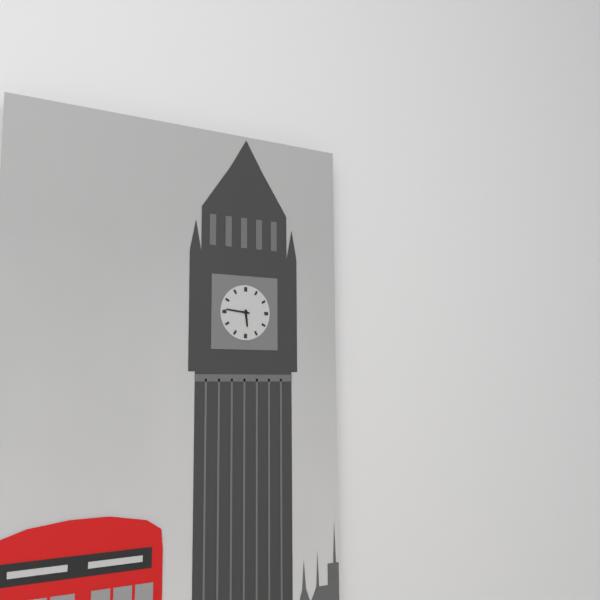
5:46
